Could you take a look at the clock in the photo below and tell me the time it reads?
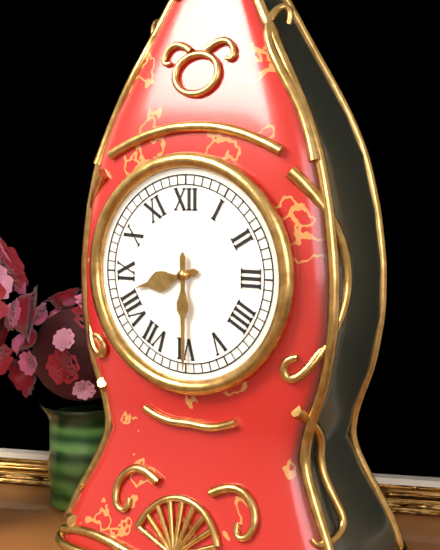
8:30
